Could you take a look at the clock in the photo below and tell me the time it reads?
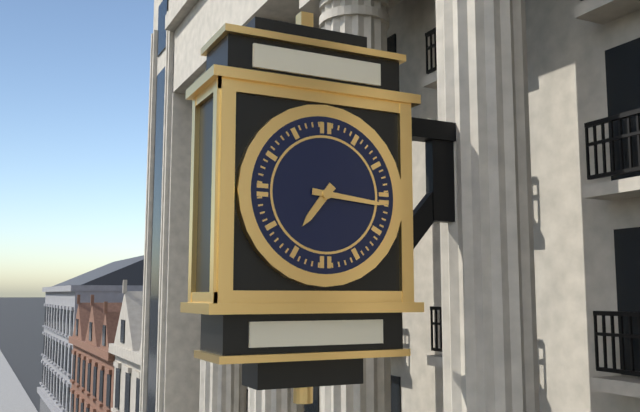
7:16
